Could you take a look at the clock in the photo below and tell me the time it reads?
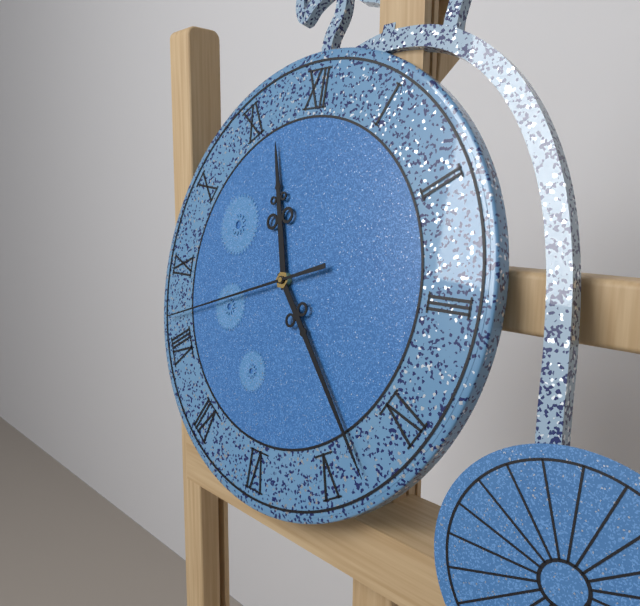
11:23:42
